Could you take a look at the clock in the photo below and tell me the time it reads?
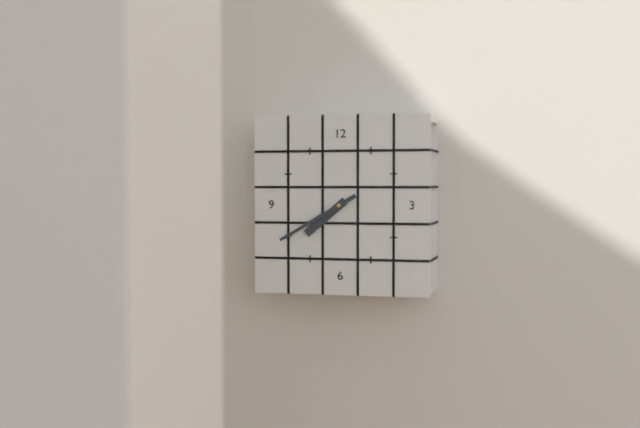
7:40
